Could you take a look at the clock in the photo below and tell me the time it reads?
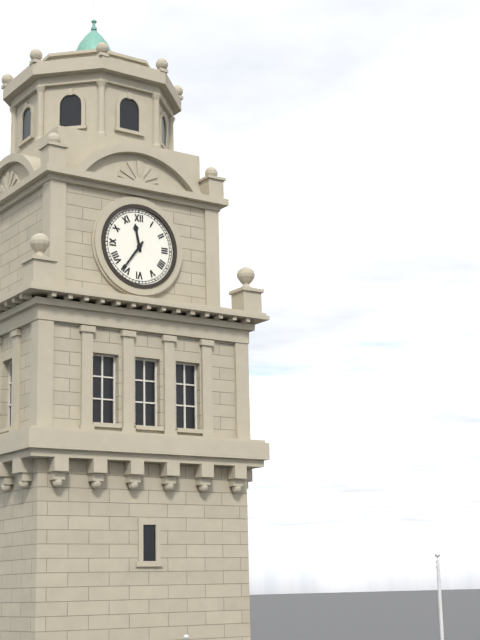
11:36
